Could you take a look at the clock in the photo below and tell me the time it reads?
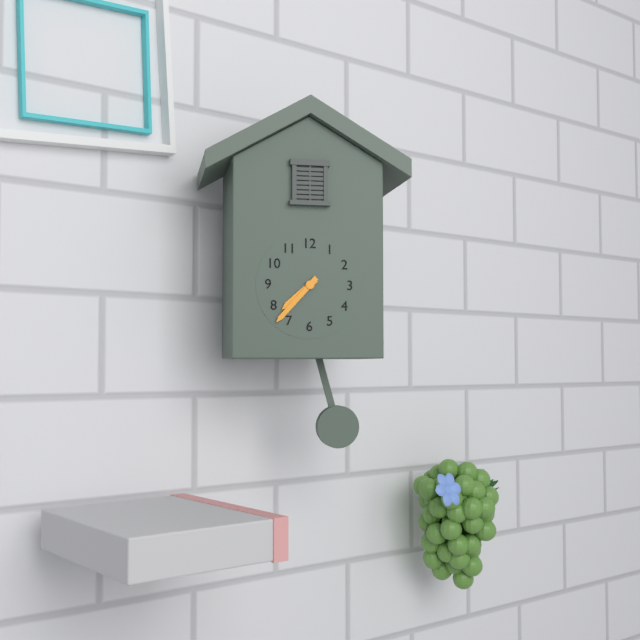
7:37
